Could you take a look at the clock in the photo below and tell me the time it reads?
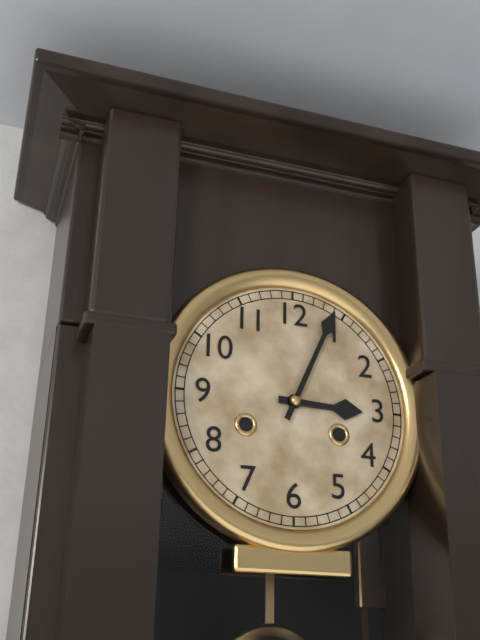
3:04
